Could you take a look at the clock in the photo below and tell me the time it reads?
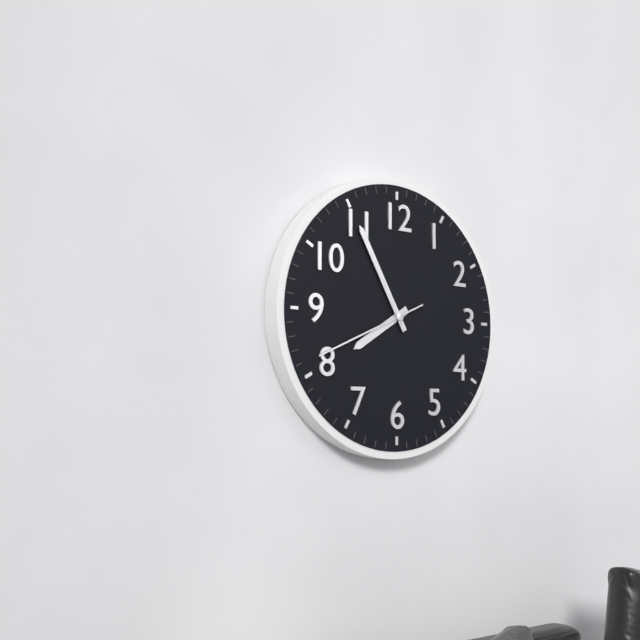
7:55:41
